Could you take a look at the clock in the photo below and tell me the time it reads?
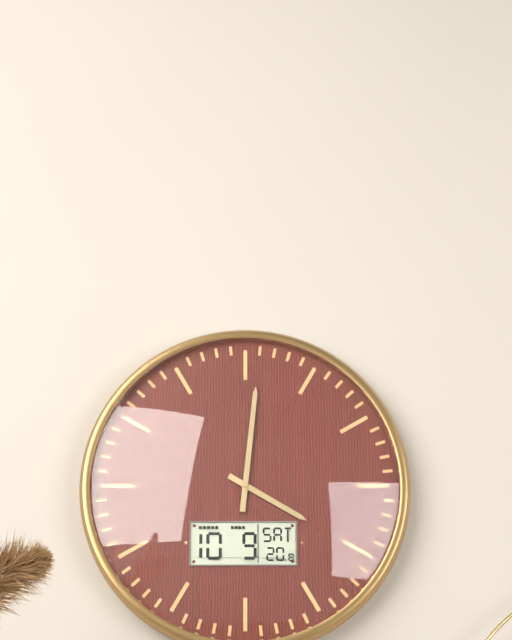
4:01
